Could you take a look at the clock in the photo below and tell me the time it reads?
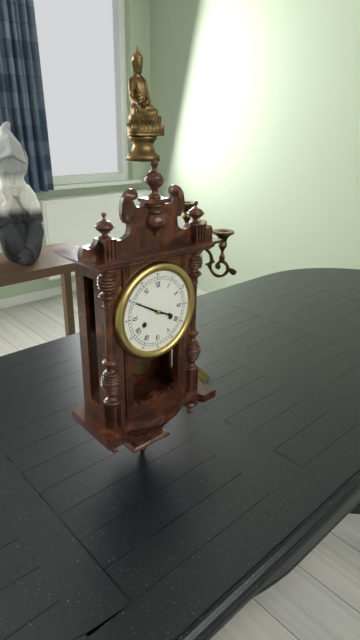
3:50
